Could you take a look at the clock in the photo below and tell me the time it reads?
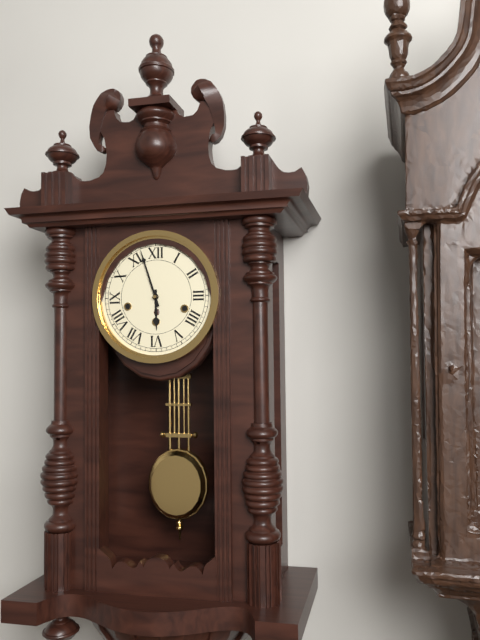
5:57
